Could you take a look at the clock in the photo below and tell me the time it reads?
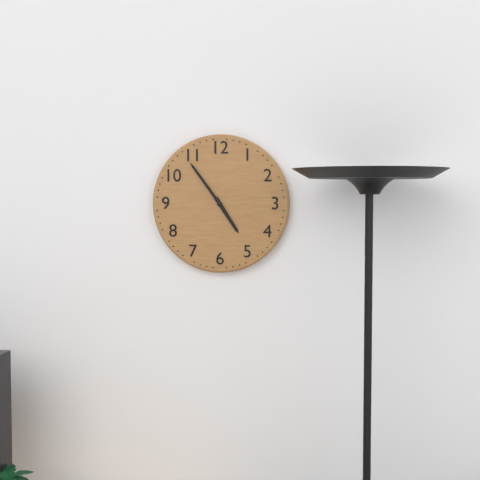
4:54
